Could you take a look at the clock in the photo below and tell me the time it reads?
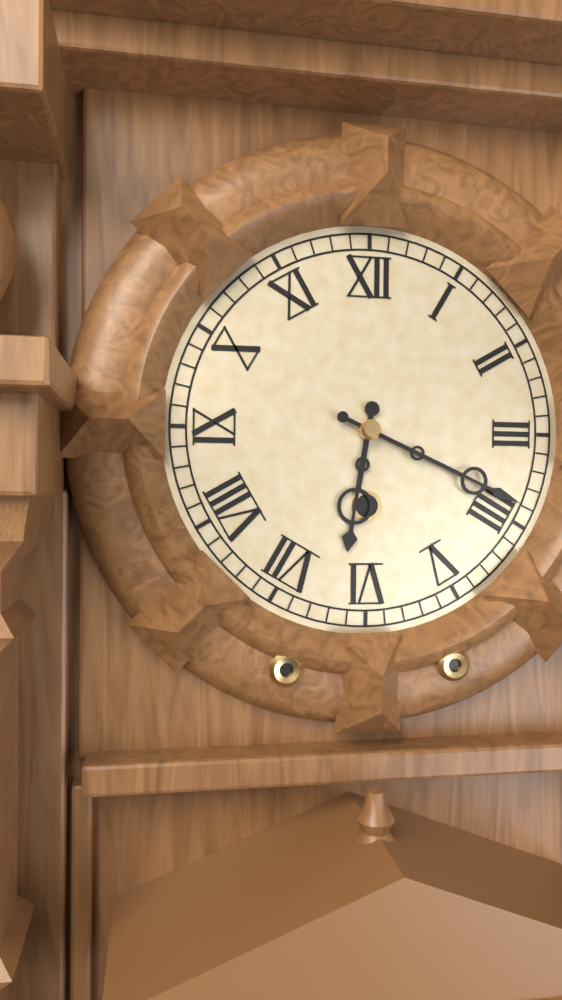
6:19
